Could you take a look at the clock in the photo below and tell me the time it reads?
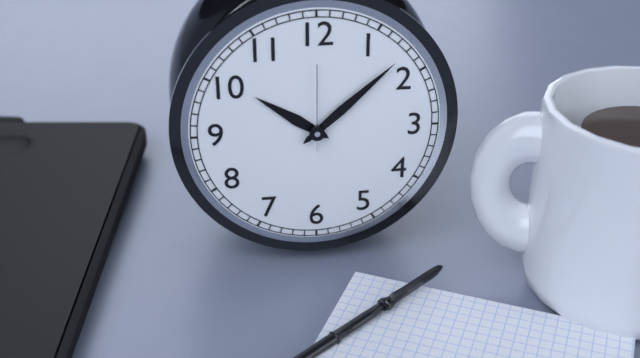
10:08:00
